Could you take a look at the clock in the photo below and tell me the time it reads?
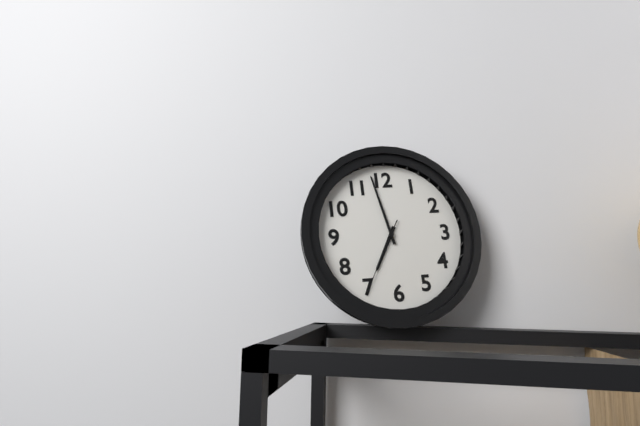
6:58:35
